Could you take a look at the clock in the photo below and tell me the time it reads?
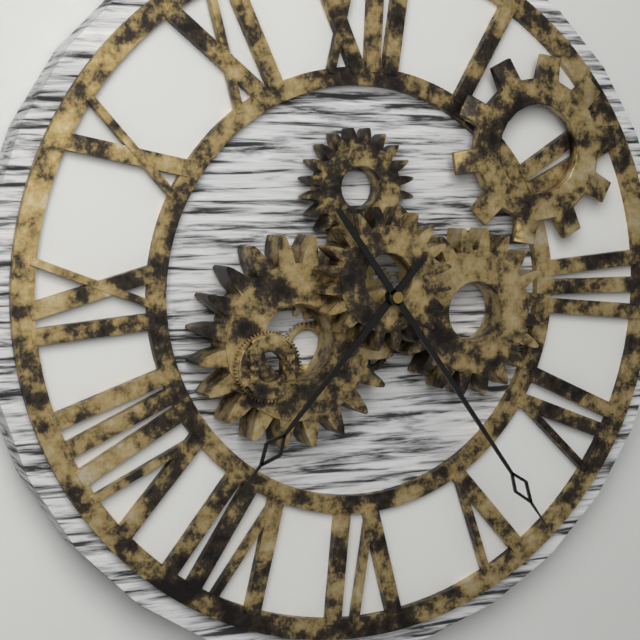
7:24
